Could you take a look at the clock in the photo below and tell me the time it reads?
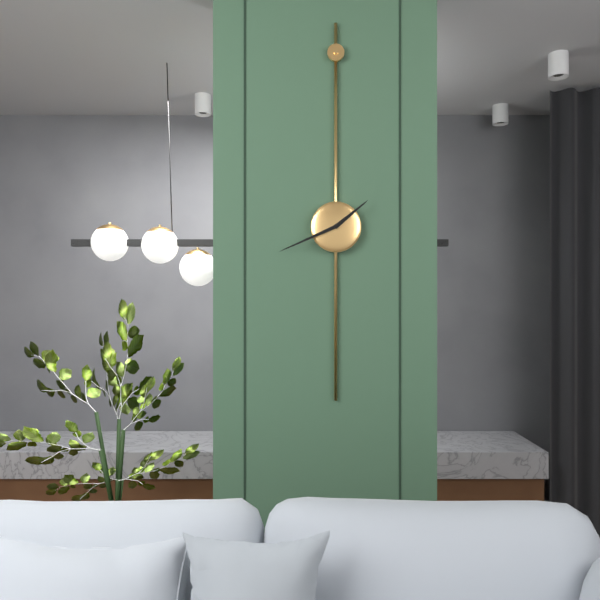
1:41
